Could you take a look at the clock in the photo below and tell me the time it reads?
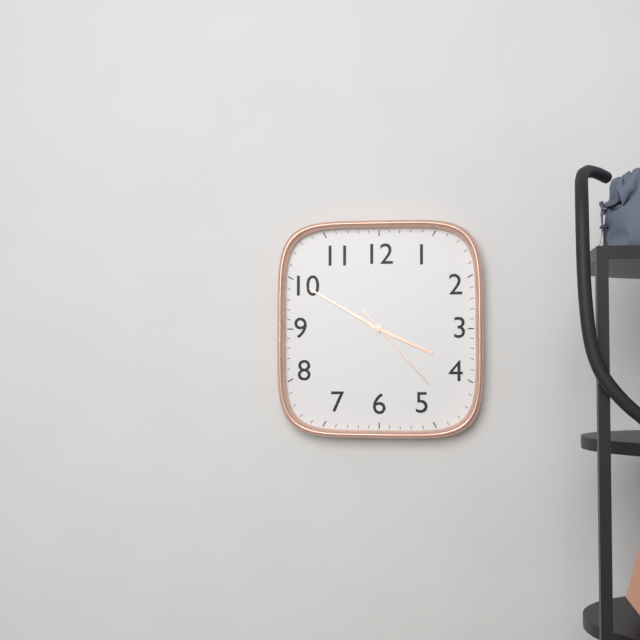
3:50:23
